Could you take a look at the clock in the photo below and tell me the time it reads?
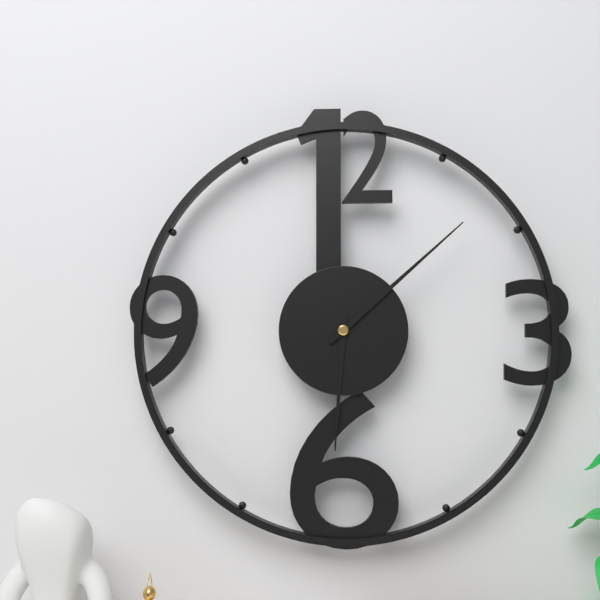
6:08
